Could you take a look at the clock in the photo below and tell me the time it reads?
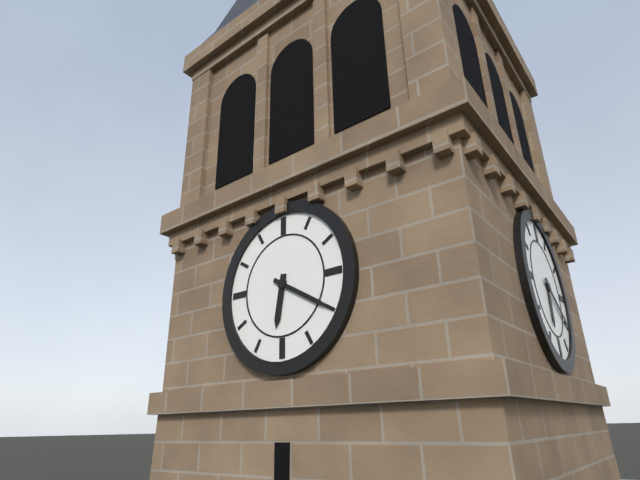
6:20
